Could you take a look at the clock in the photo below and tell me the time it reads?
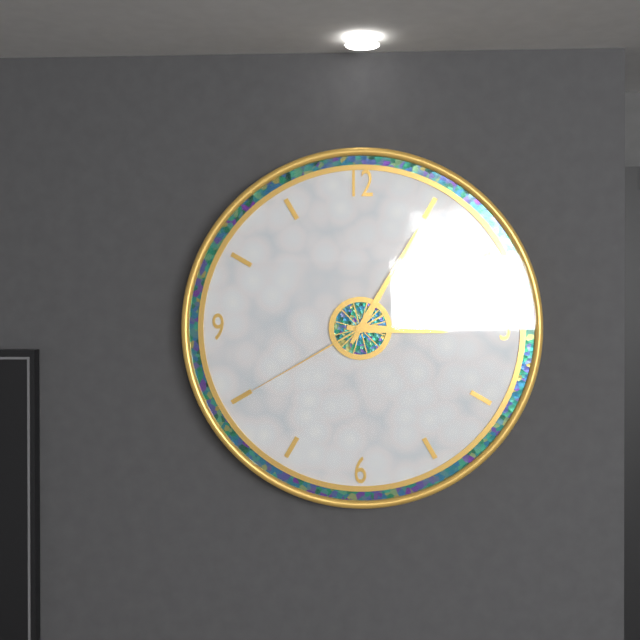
3:05:40
